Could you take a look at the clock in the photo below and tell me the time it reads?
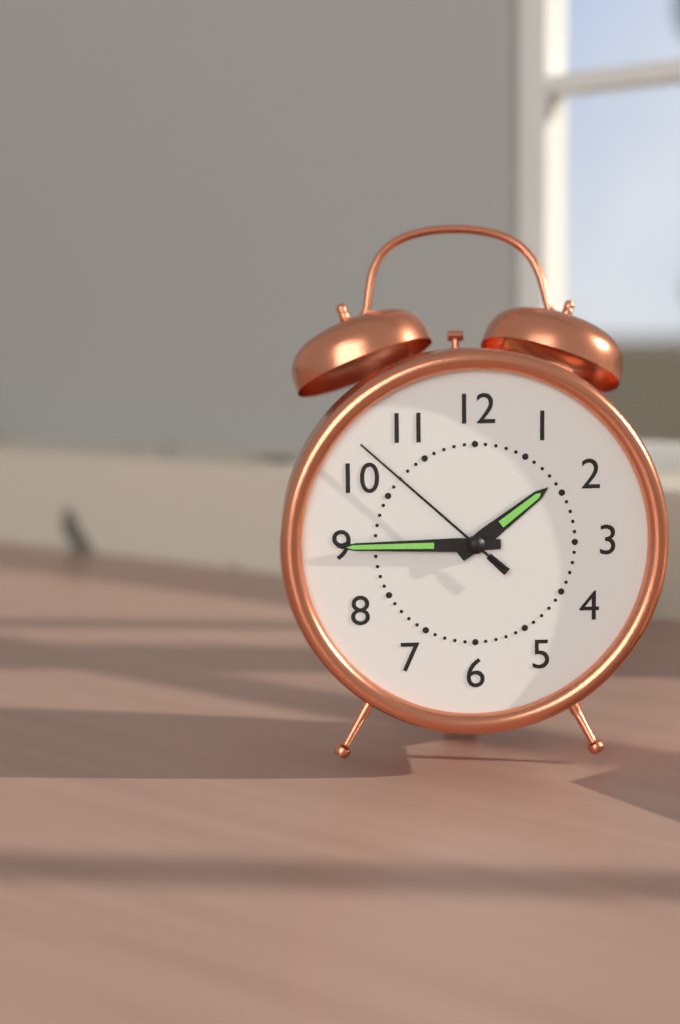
1:45:52
